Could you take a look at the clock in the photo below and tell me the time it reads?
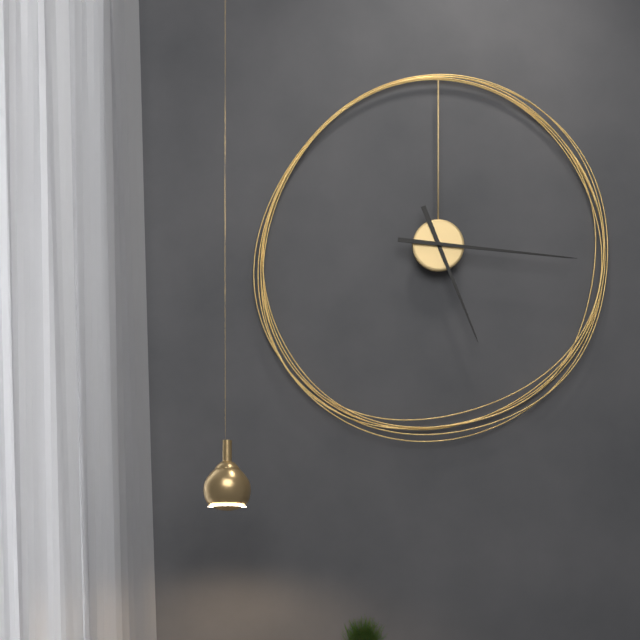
5:16
